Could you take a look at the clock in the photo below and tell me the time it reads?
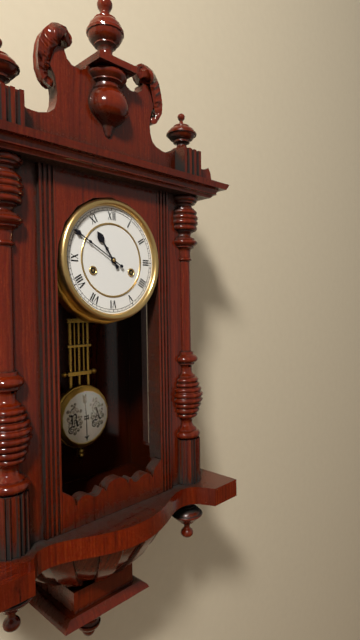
10:50
